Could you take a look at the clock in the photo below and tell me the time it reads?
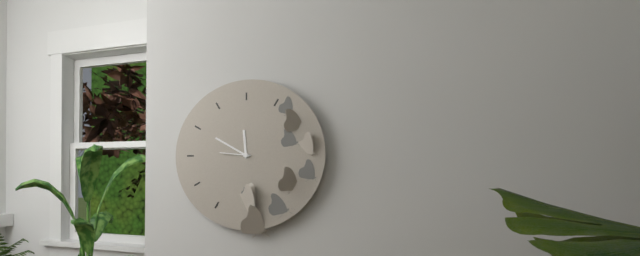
11:50
